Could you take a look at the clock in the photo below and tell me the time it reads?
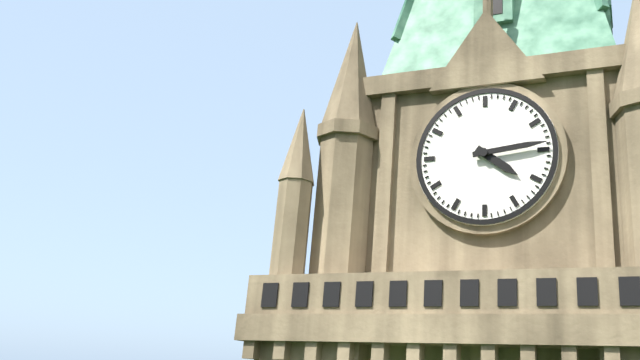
4:14
